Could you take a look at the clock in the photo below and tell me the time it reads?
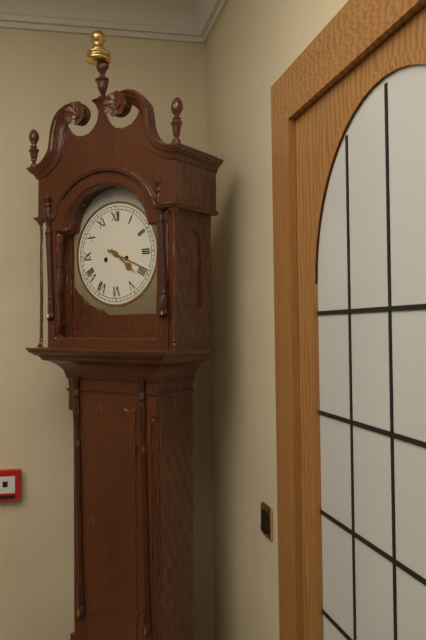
4:19
